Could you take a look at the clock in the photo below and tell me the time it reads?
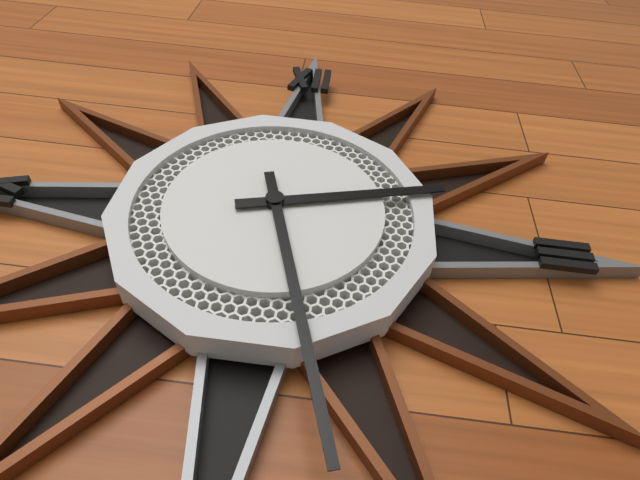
2:27
